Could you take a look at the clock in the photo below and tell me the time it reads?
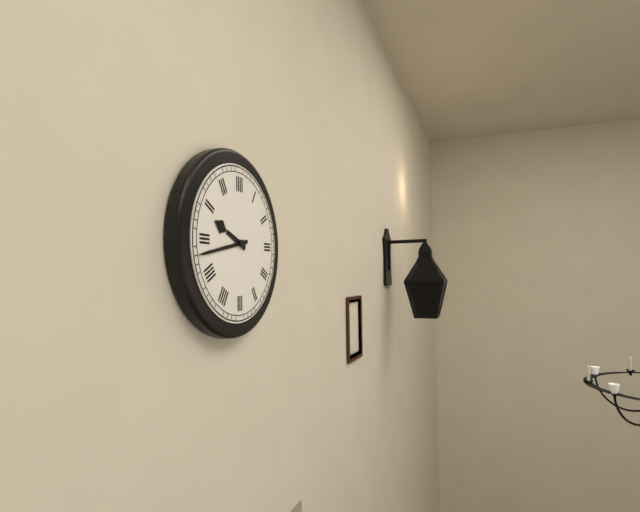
9:43
